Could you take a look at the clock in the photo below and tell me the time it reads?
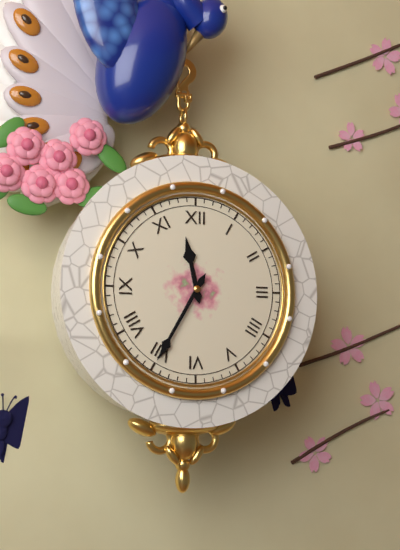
11:35
